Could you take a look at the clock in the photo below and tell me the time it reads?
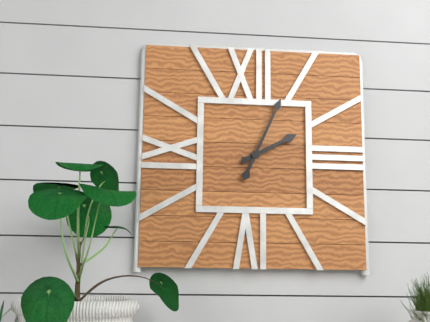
2:04
